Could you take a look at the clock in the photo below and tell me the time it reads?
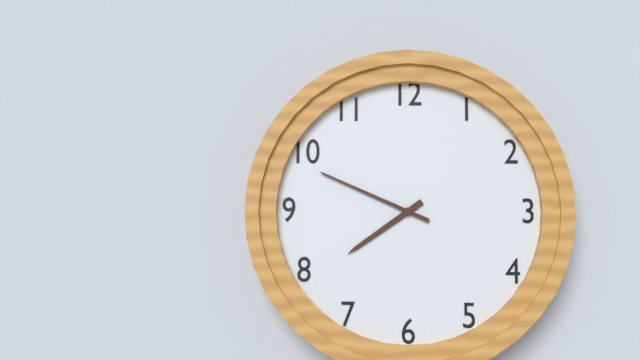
7:49
